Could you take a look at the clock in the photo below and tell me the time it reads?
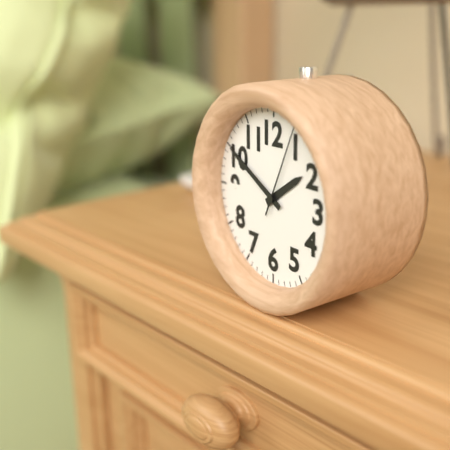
1:50:04
